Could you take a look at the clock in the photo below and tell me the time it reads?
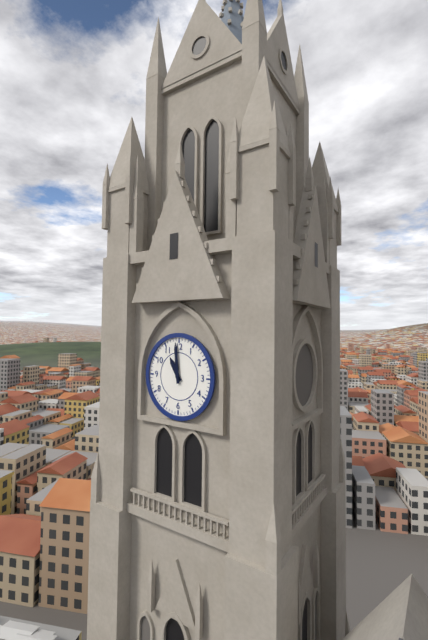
10:59
